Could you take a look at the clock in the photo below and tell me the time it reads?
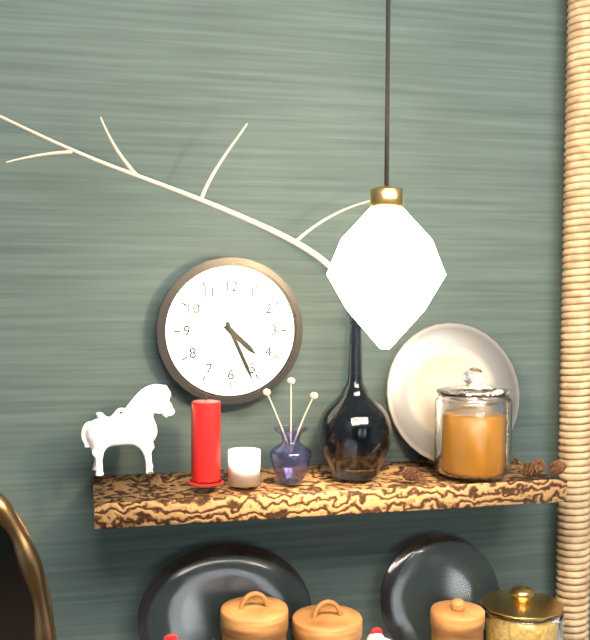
4:26
